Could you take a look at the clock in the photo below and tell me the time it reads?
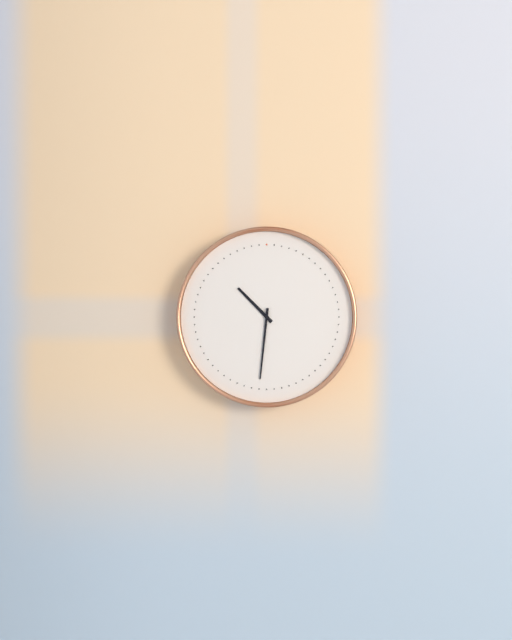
10:31
